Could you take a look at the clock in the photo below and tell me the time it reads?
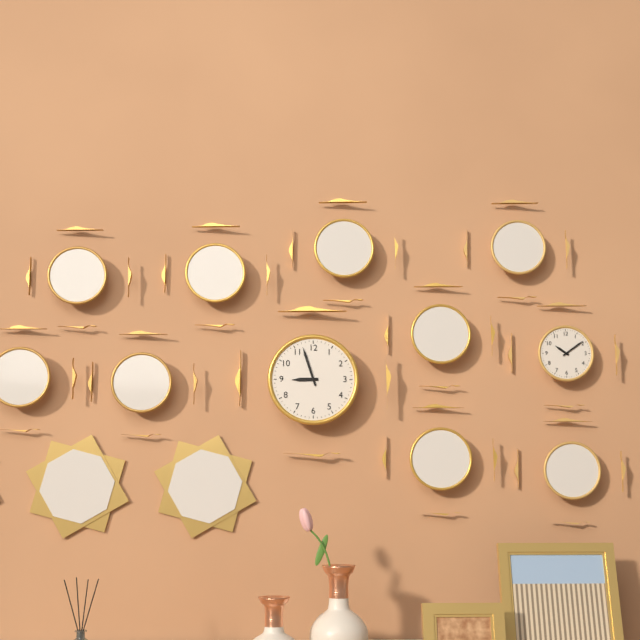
8:57
